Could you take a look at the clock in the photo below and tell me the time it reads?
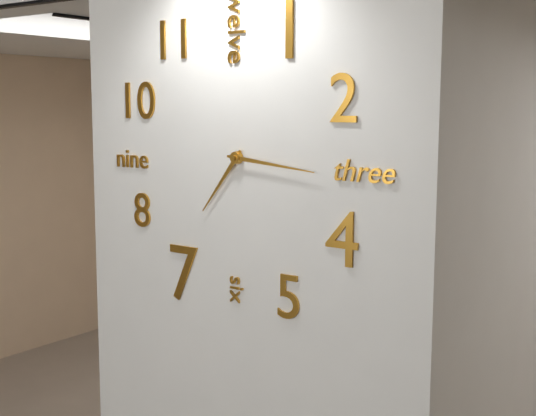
7:16
